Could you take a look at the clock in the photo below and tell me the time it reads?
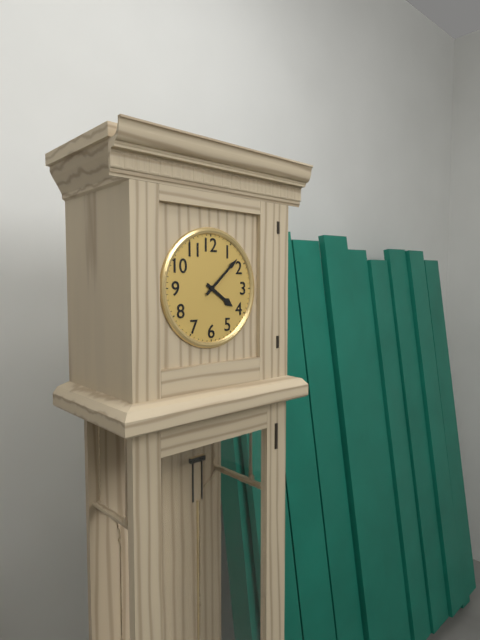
4:08
